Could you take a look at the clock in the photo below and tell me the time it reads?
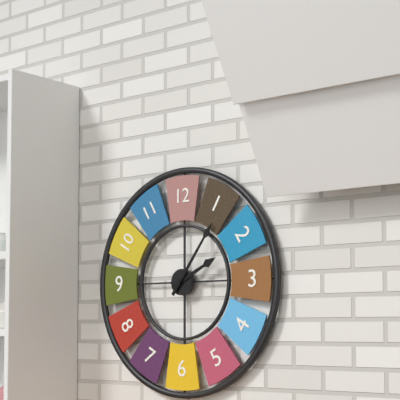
2:06
